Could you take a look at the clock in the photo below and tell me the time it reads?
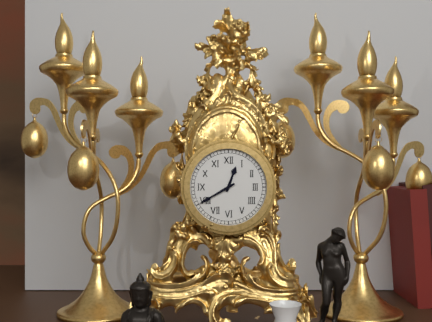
12:40
